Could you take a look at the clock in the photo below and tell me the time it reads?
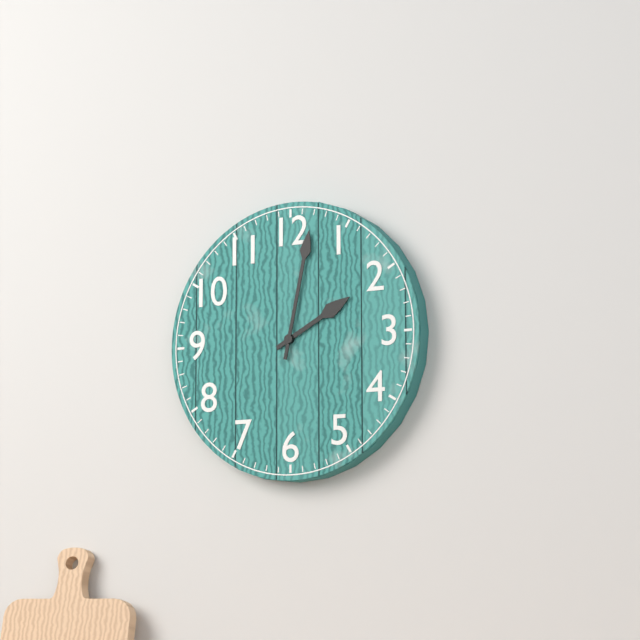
2:02
